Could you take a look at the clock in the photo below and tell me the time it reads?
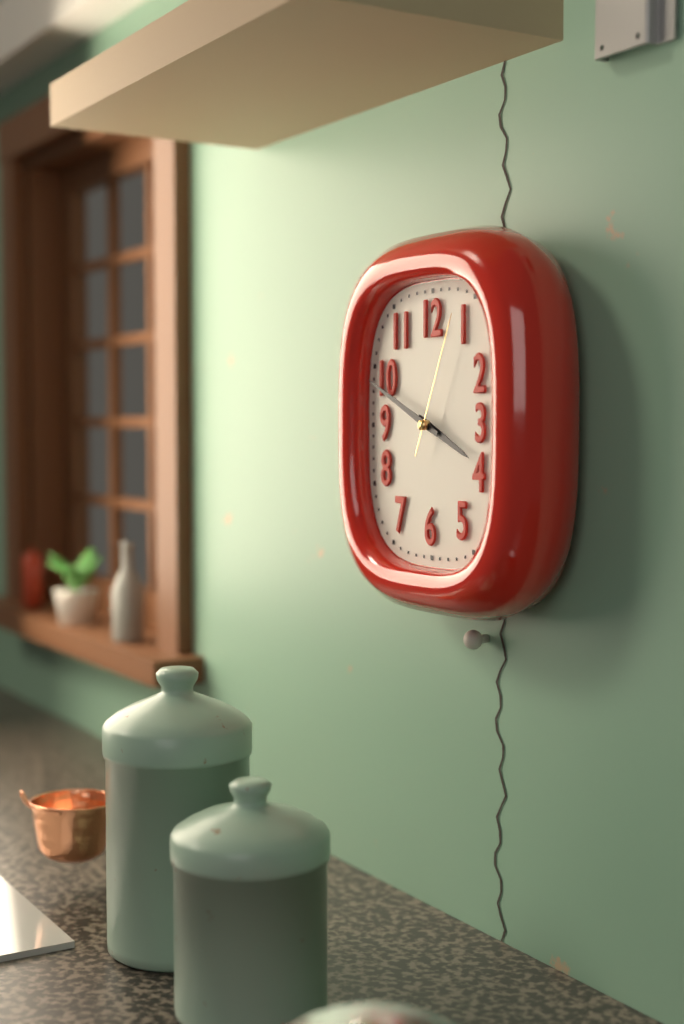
3:49:04
